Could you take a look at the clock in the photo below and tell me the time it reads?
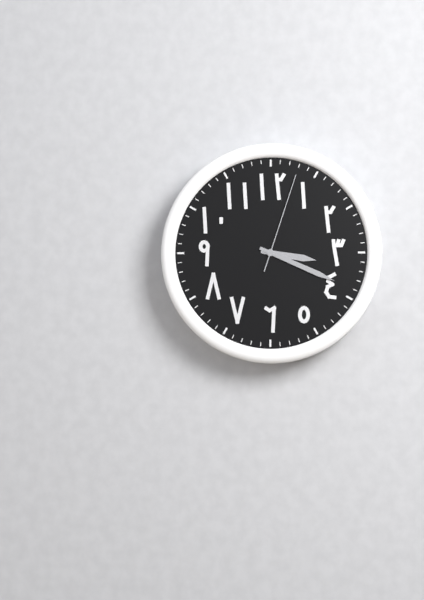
3:19:03
